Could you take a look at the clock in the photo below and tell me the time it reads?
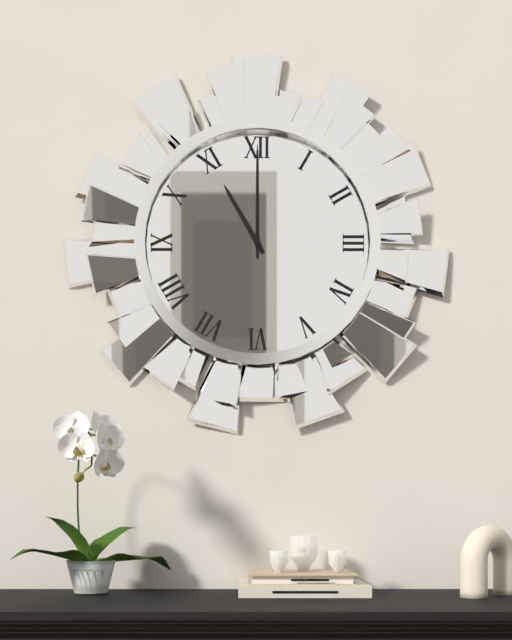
11:00
